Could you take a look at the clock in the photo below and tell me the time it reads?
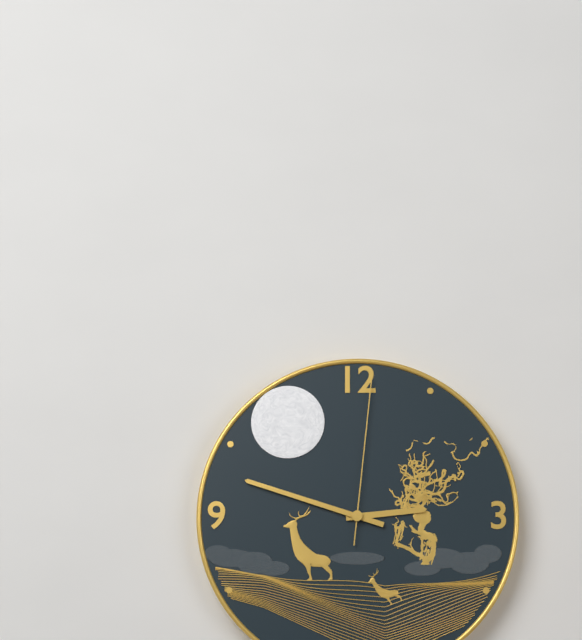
2:48:01
